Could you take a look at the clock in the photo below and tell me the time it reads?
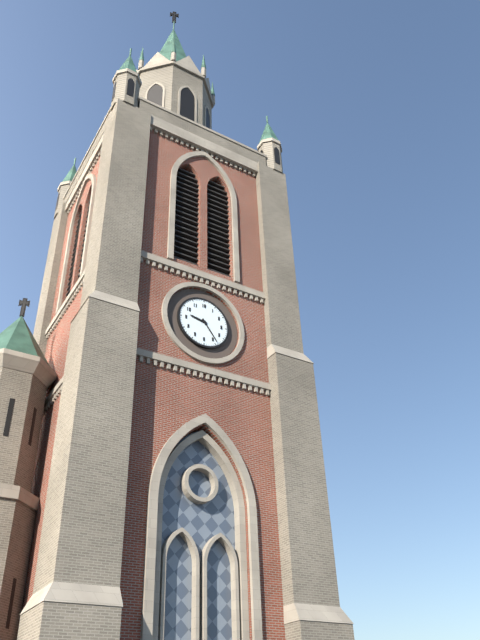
9:24
